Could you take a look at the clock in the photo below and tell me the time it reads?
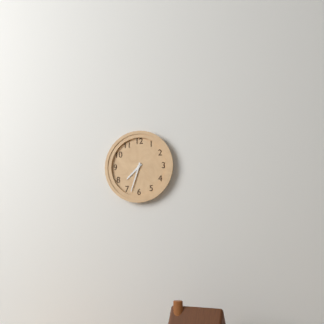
7:33
